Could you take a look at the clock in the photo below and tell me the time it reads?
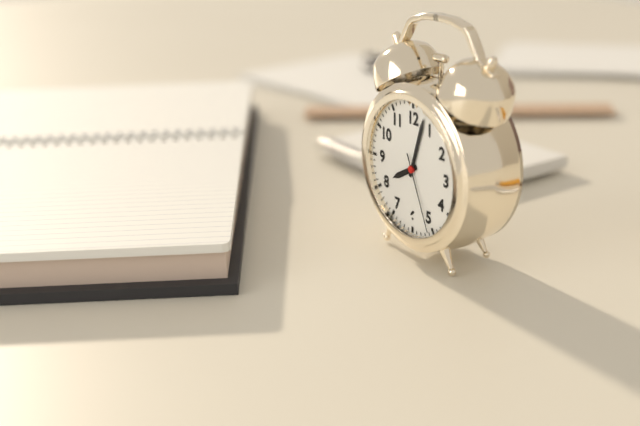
8:03:26
